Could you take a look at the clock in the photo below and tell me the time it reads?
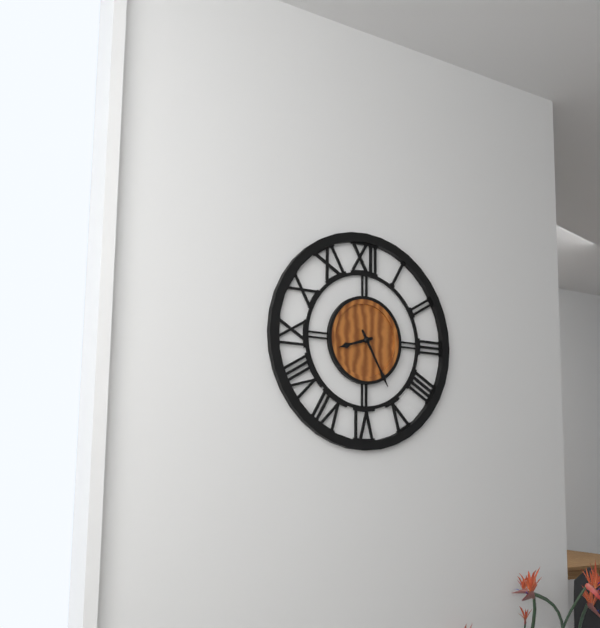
8:25
